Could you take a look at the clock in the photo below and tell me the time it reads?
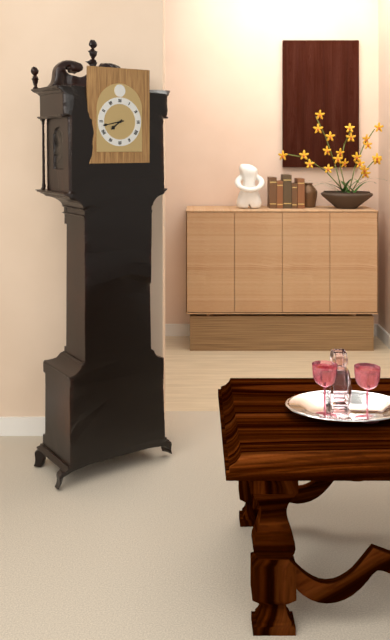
7:43
